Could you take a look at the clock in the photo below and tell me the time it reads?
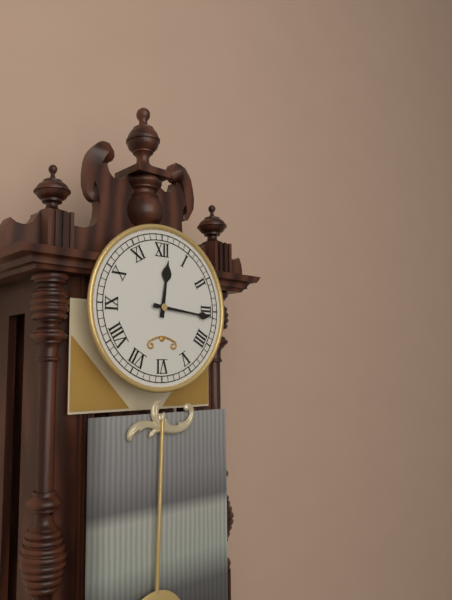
12:16
